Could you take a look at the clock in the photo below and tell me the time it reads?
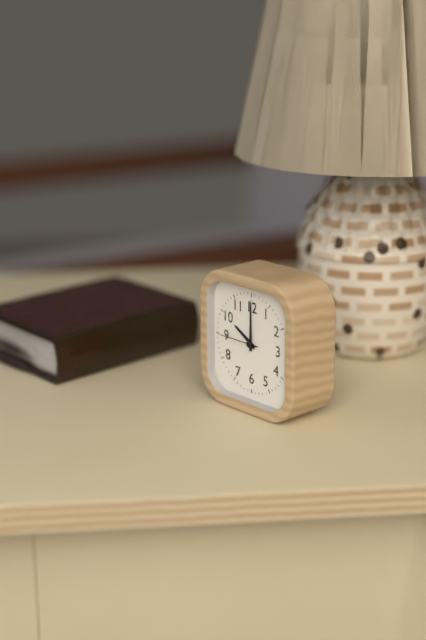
10:00
